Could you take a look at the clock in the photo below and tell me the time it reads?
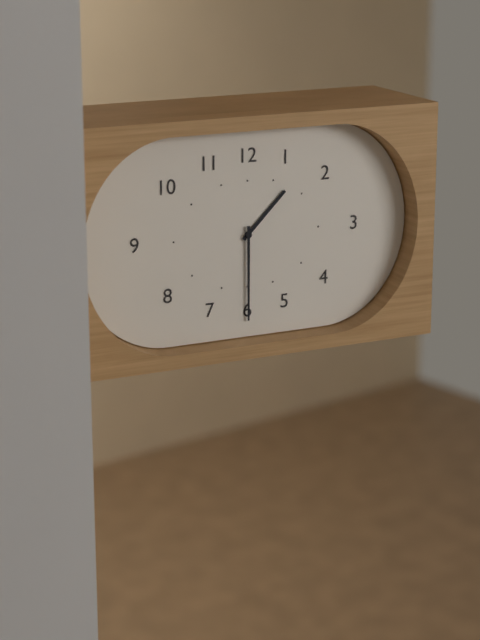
1:30
